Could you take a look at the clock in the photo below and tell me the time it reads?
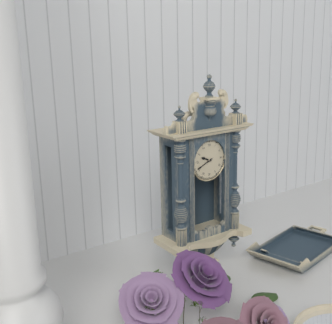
9:41
